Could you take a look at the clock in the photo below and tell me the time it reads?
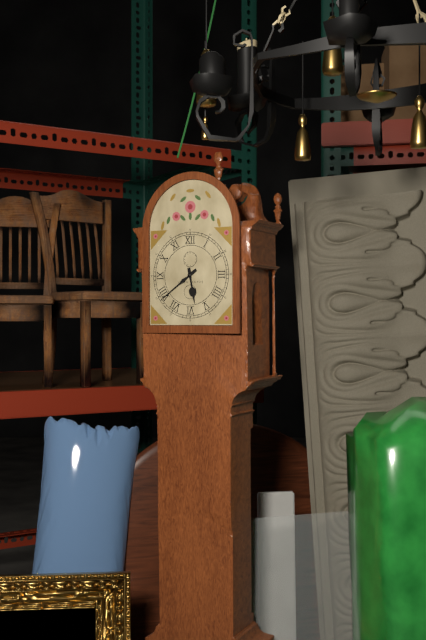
5:39
